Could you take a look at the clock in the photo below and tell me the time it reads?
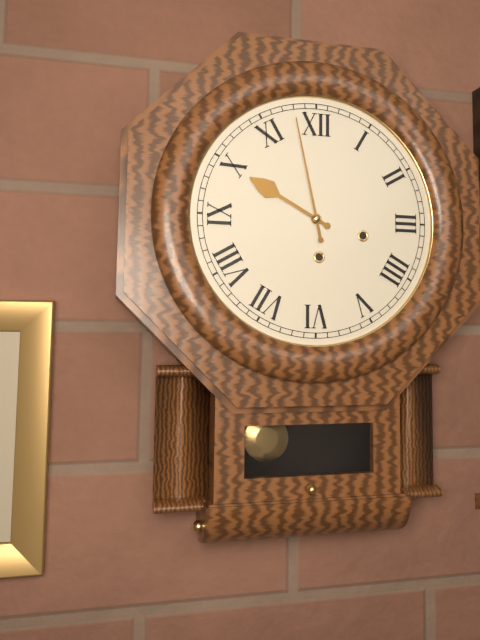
9:58
